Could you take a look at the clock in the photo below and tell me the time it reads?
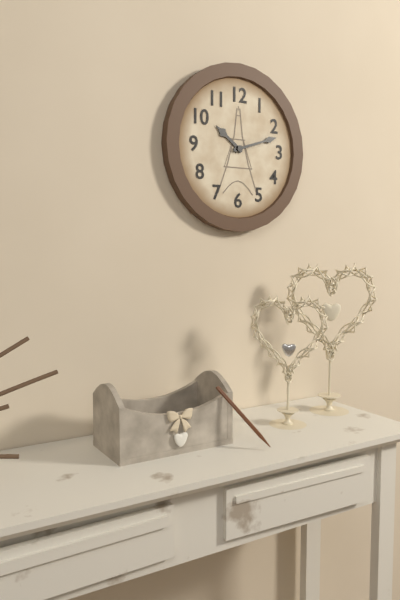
10:12
